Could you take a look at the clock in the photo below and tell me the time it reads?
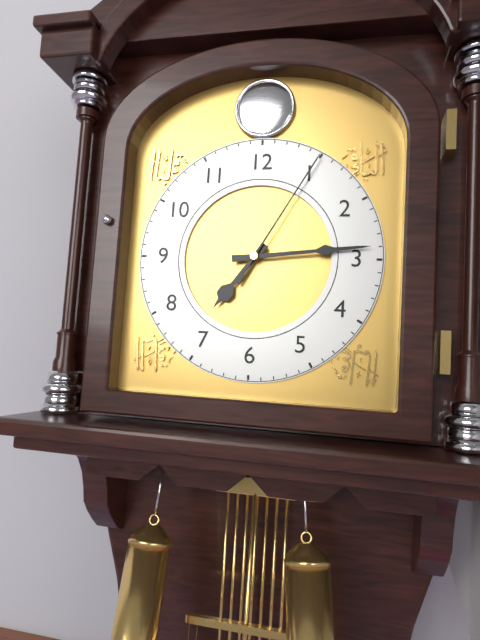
7:14:05
